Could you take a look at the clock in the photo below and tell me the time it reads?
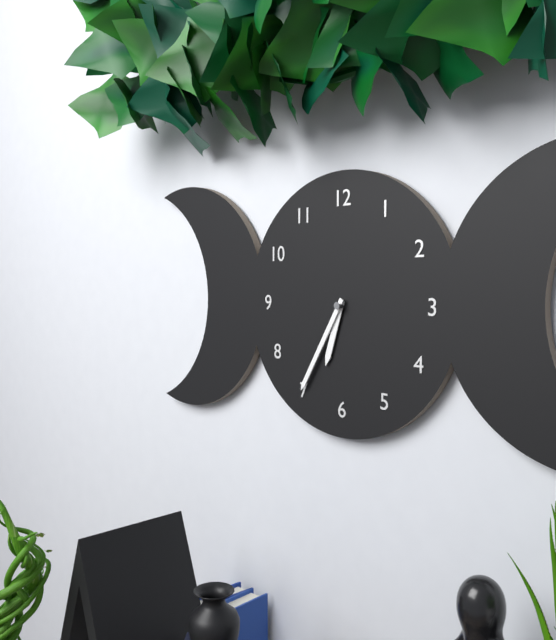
6:35
